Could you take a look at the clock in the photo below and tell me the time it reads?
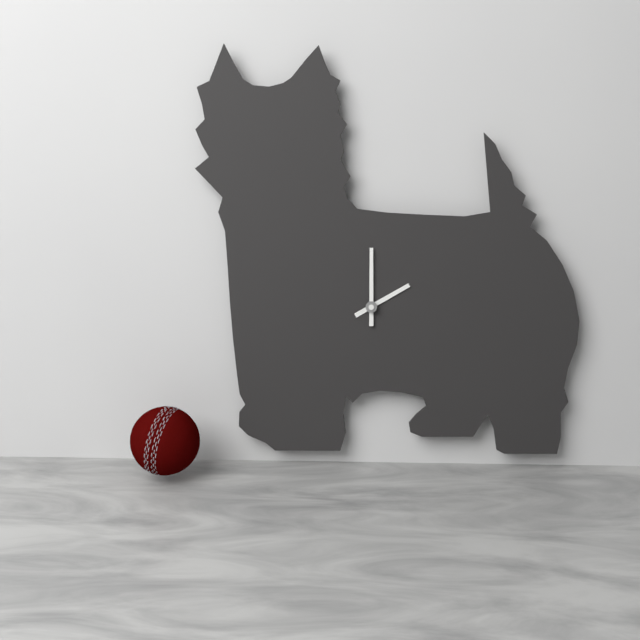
2:00
